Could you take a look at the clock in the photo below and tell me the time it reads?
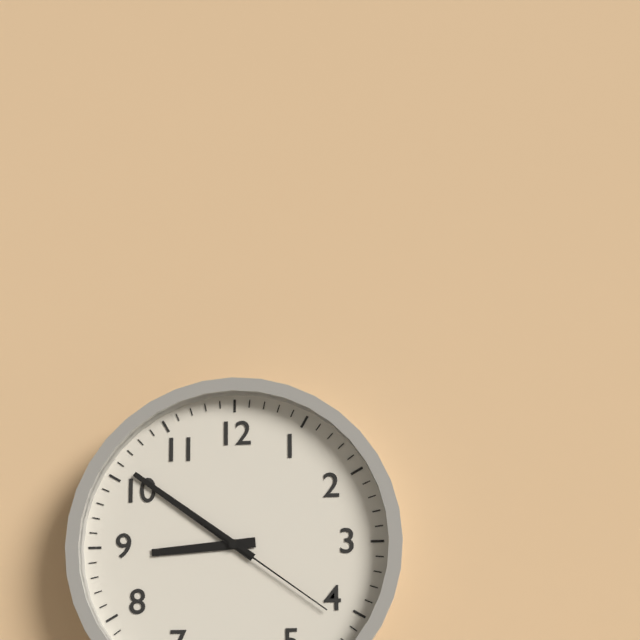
8:51:21
